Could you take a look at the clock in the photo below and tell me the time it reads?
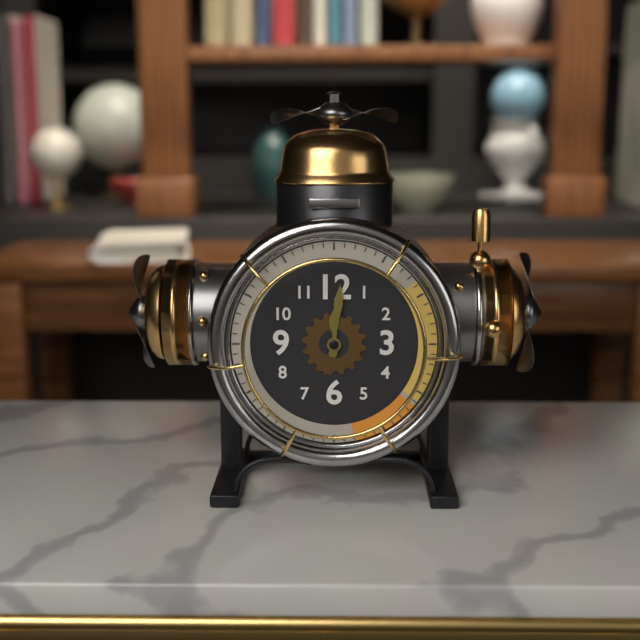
12:01
